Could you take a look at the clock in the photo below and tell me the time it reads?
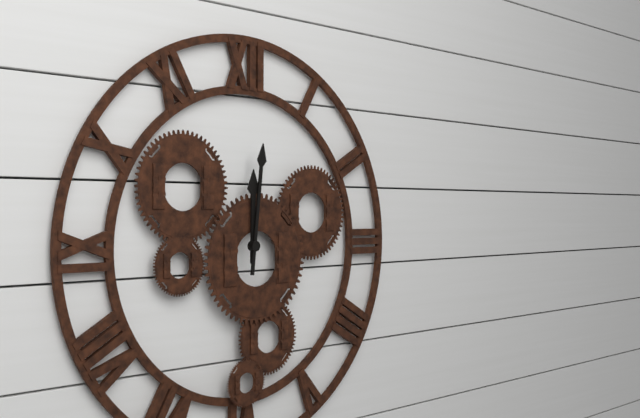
12:01
